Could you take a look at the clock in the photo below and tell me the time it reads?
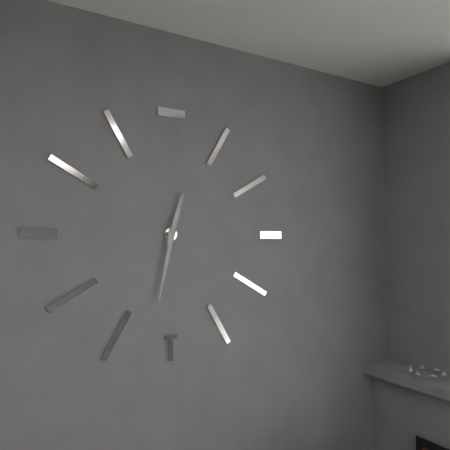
12:32
